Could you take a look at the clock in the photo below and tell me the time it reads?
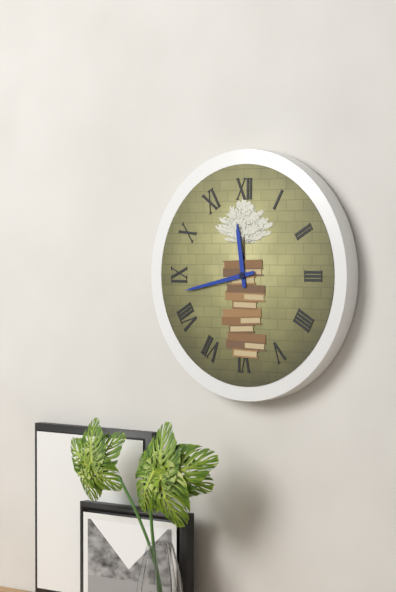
11:43
